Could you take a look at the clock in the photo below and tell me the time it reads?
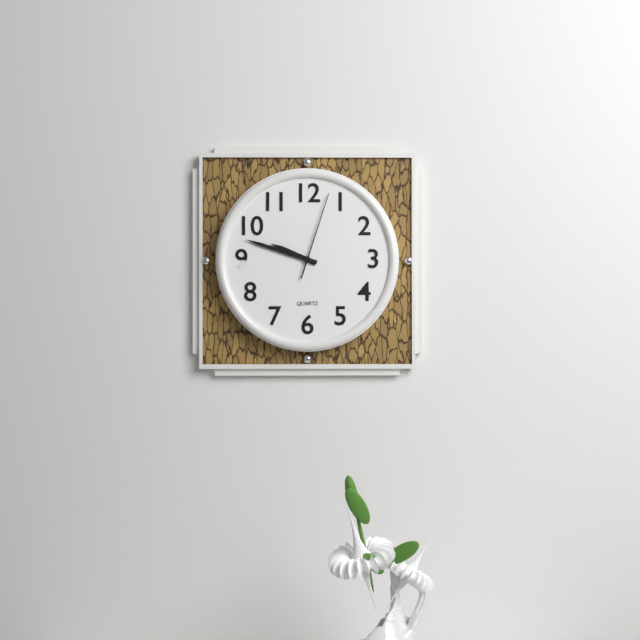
9:48:03
